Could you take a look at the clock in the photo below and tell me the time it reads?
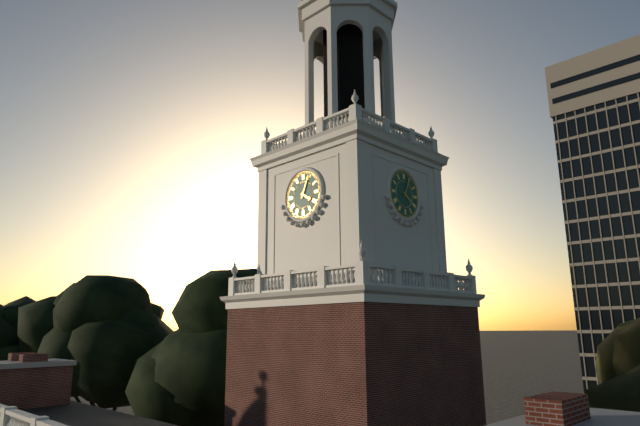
4:04
